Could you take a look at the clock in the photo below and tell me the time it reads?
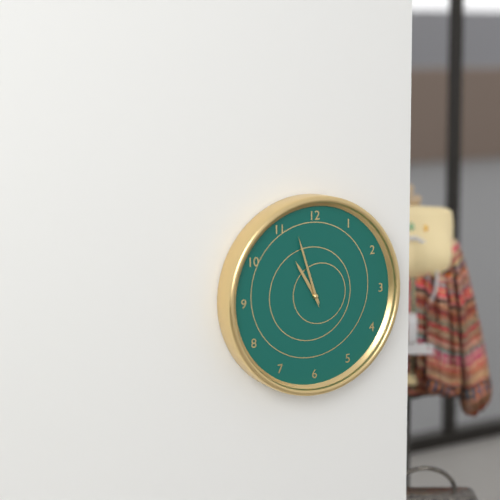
10:57
